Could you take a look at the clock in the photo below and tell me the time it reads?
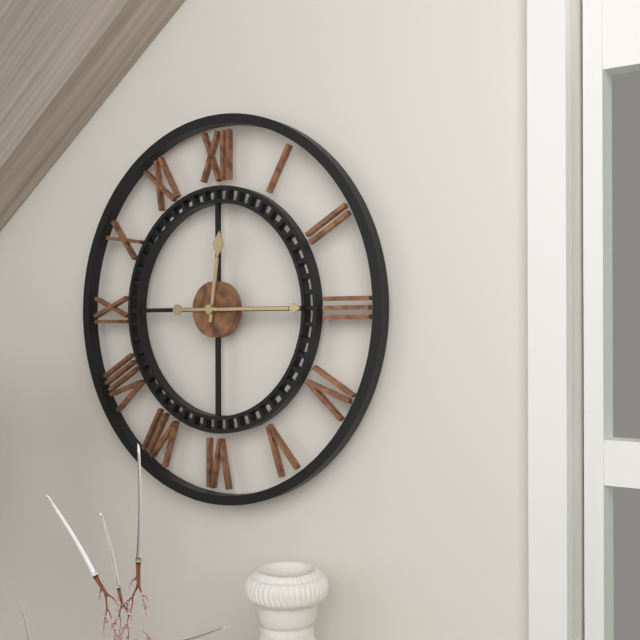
12:15
